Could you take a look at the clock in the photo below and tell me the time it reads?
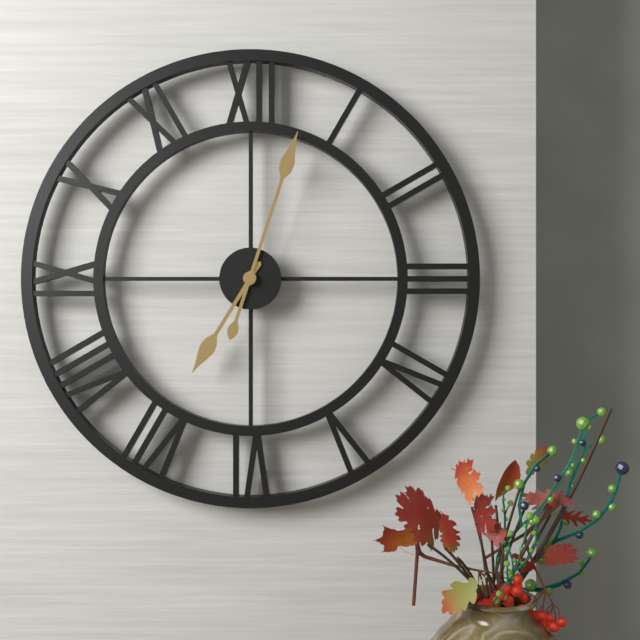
7:03
